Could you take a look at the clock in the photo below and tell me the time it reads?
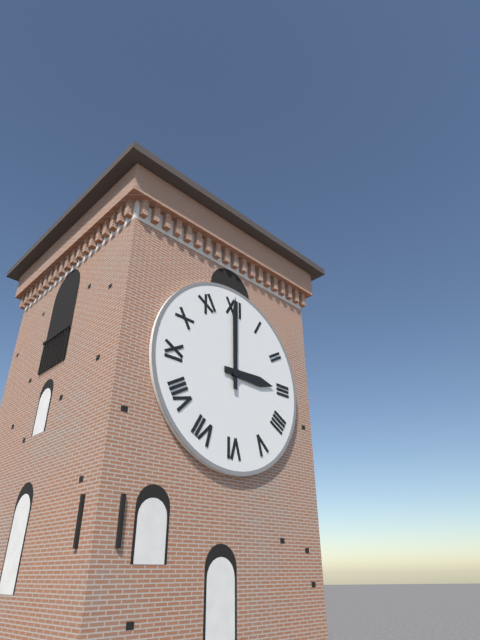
3:00
